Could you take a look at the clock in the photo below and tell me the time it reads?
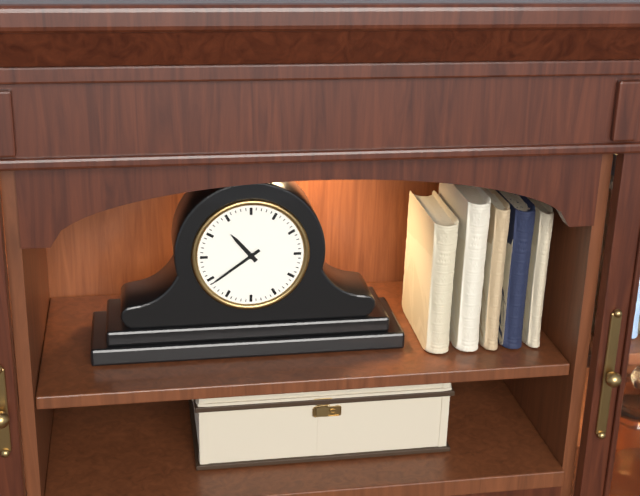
10:39
